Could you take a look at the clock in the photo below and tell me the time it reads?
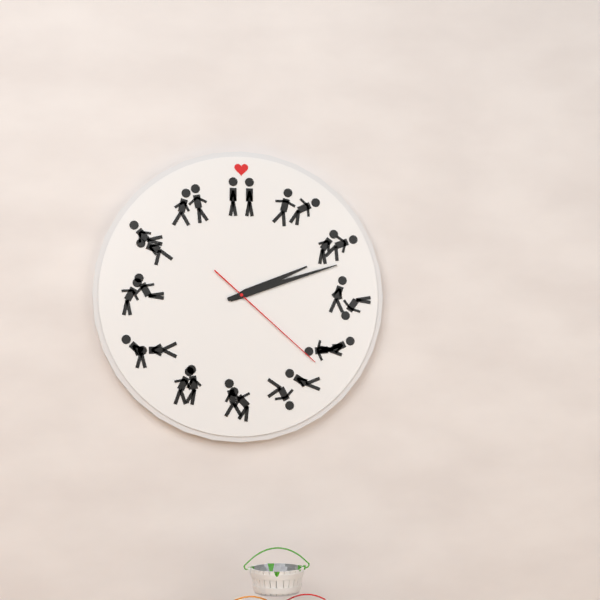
2:12:22
